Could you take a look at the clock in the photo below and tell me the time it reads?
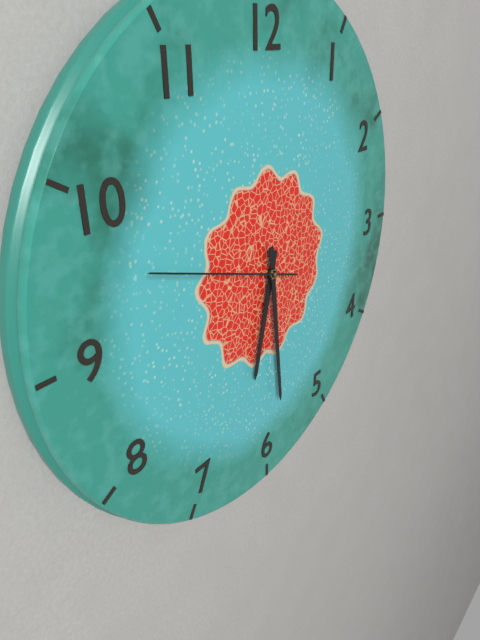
6:29:48
